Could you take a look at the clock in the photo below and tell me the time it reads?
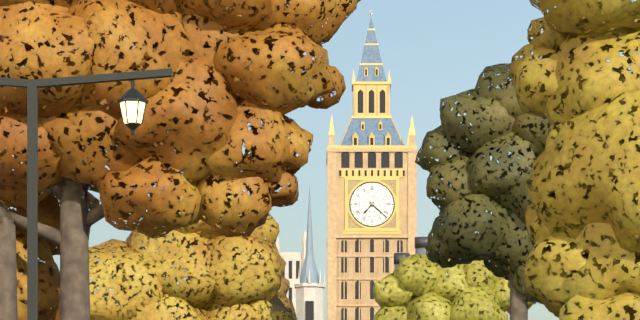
7:22
